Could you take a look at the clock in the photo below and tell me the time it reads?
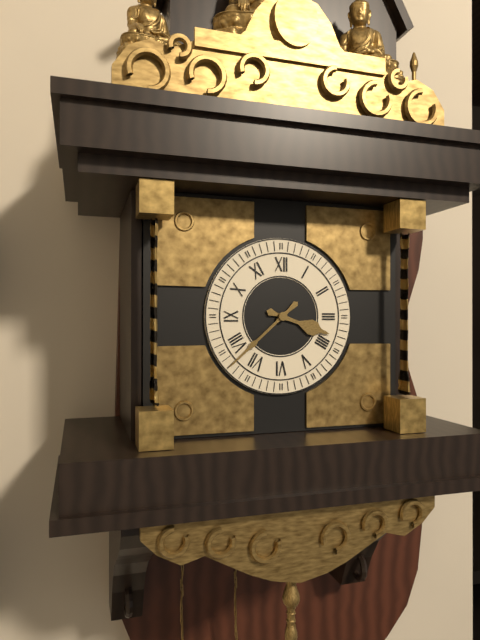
3:38
